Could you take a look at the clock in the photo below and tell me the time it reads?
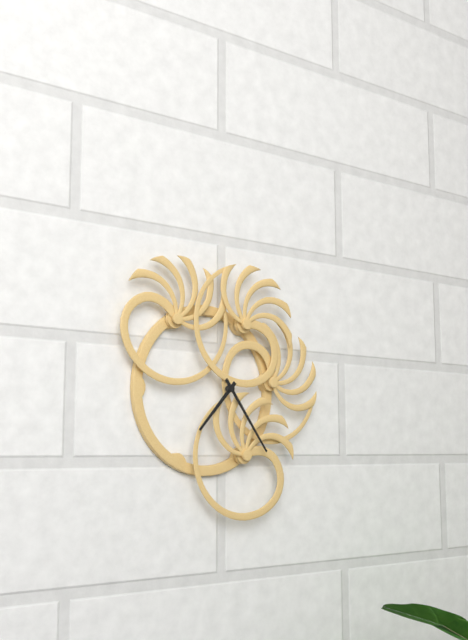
7:24
